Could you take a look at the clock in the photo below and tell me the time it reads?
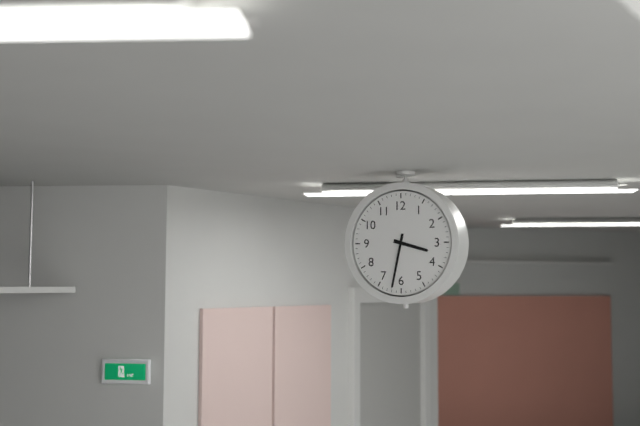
3:32
